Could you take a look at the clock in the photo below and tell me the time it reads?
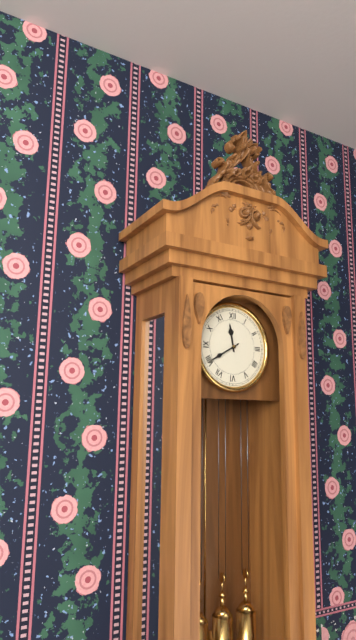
11:40
